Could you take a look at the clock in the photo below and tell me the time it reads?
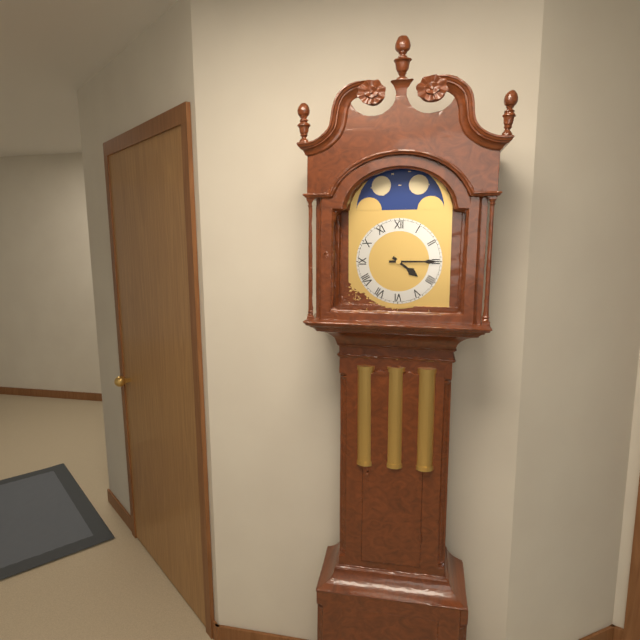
4:15
